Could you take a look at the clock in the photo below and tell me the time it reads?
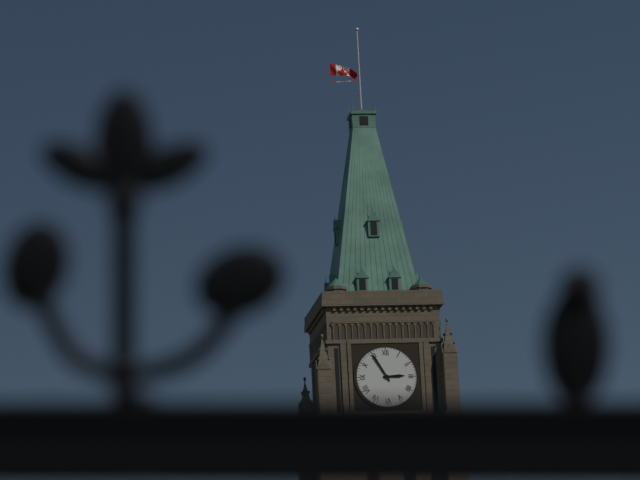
2:55
